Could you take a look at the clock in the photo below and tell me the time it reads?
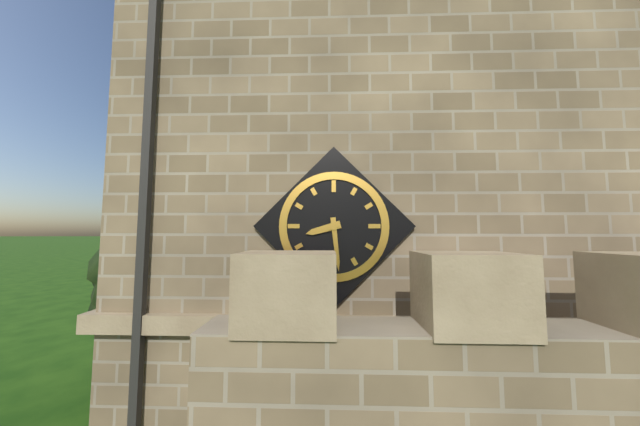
8:29
